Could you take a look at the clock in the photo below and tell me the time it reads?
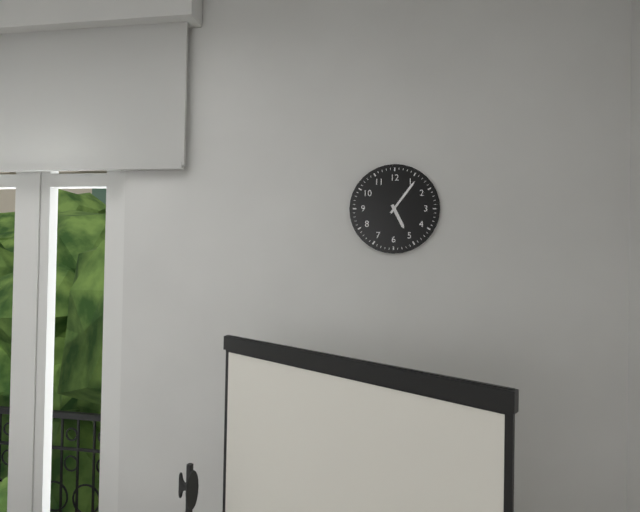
5:06
